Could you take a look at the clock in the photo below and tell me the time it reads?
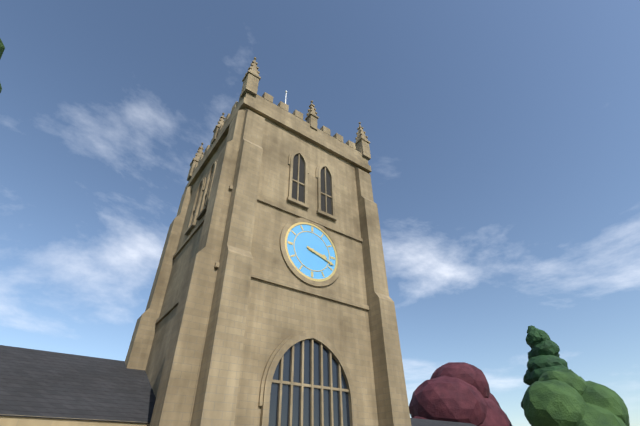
3:18
